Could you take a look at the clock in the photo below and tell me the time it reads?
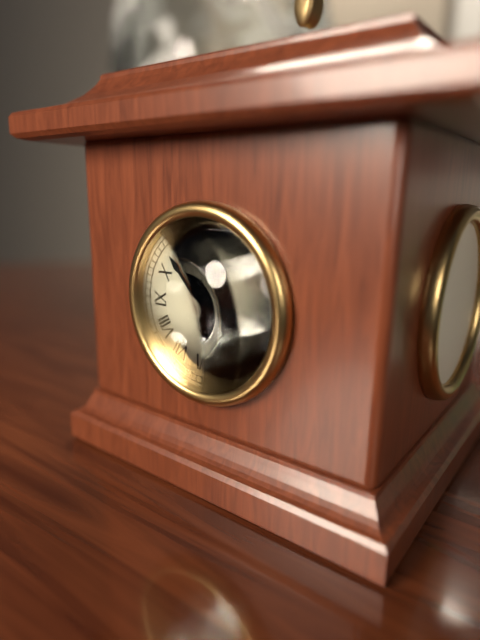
4:53:54
